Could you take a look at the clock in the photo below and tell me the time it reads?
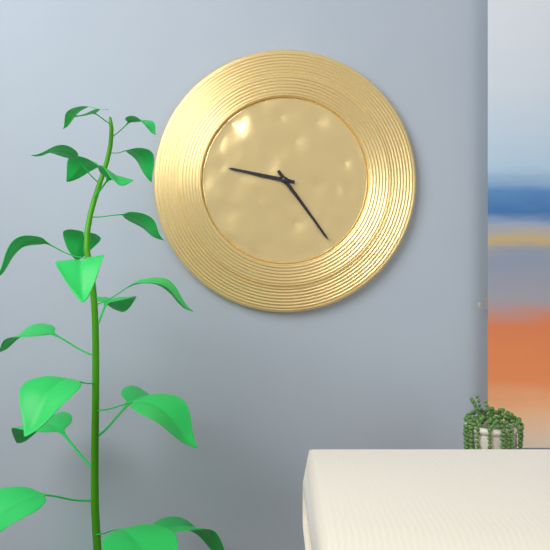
9:24
